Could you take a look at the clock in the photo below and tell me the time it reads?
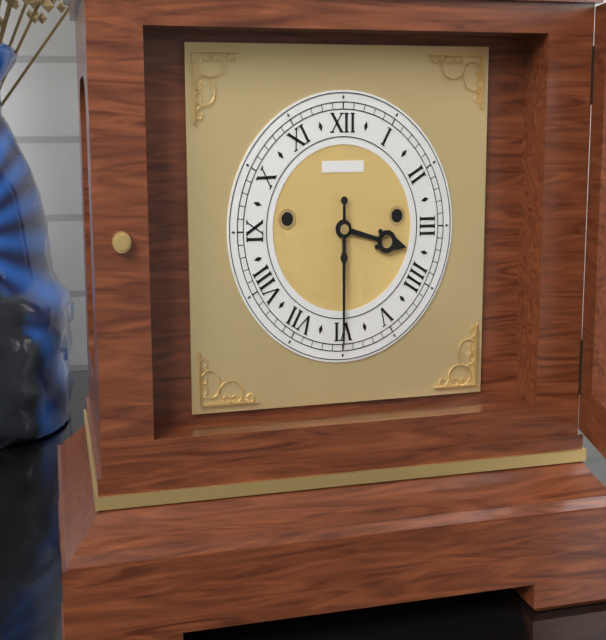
3:30
